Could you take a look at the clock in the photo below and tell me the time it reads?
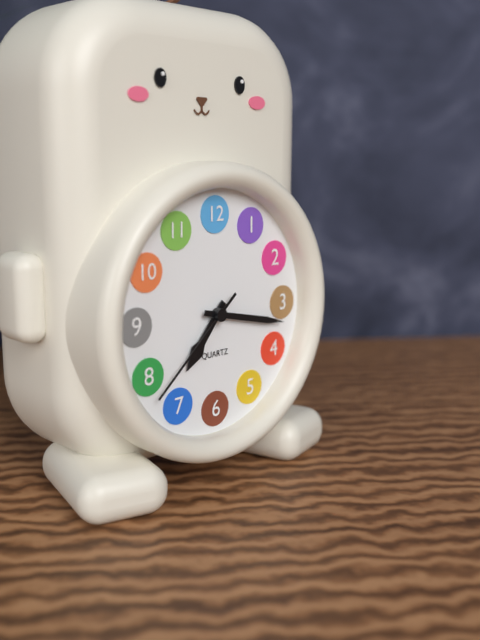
7:17:38
